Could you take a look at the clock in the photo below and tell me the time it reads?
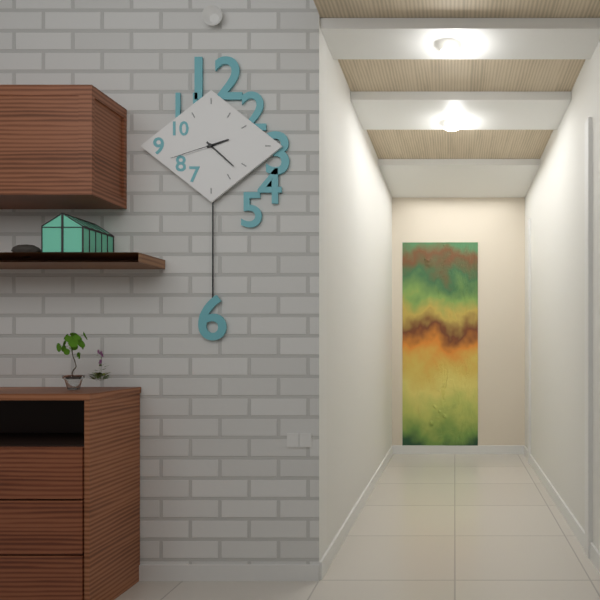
2:22:42
